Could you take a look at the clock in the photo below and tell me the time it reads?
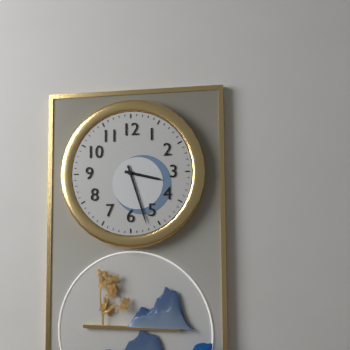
3:27
